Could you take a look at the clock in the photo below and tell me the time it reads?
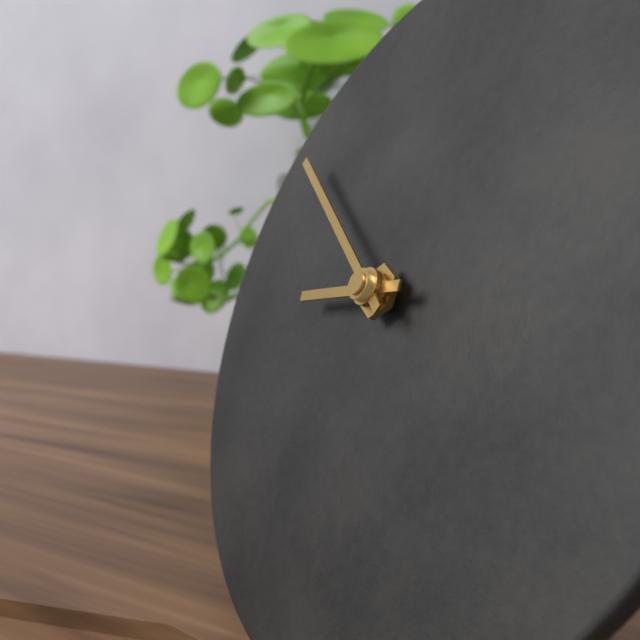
8:51
